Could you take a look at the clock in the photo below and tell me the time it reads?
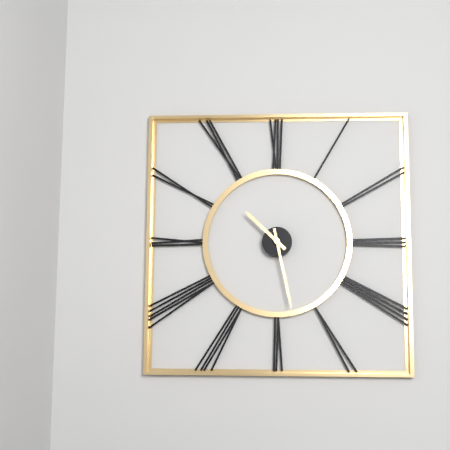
10:28
